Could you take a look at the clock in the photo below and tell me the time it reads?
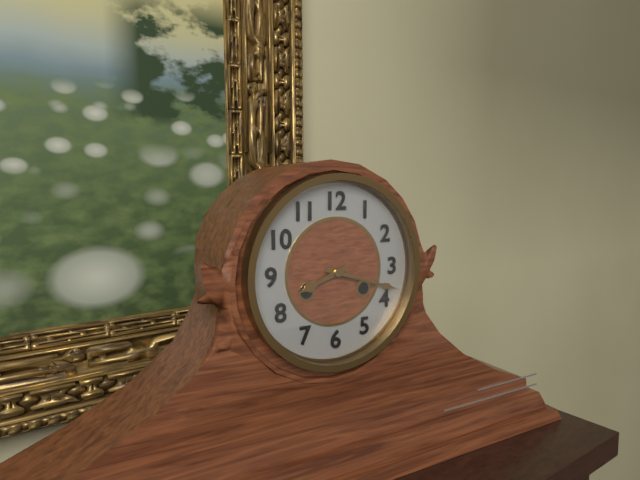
8:18
